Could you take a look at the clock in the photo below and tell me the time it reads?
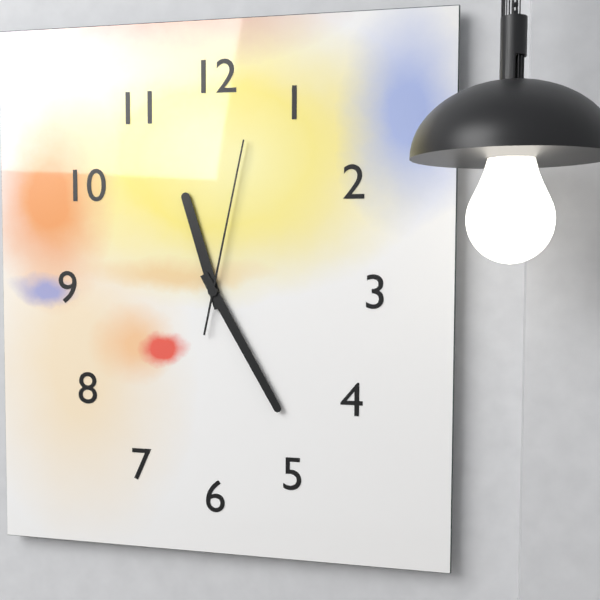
11:25:02
